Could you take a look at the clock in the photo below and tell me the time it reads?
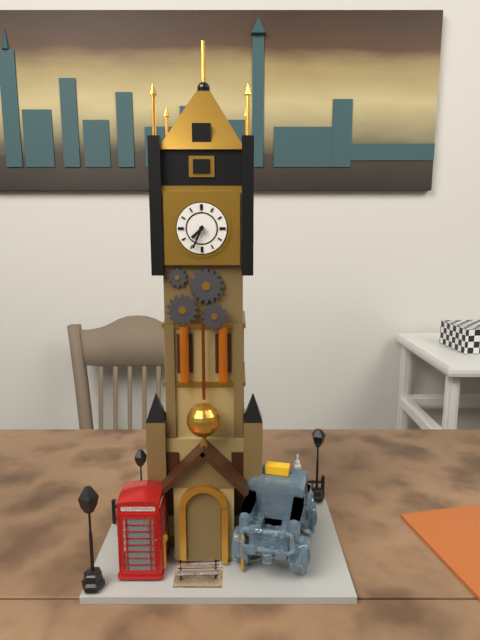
7:34
